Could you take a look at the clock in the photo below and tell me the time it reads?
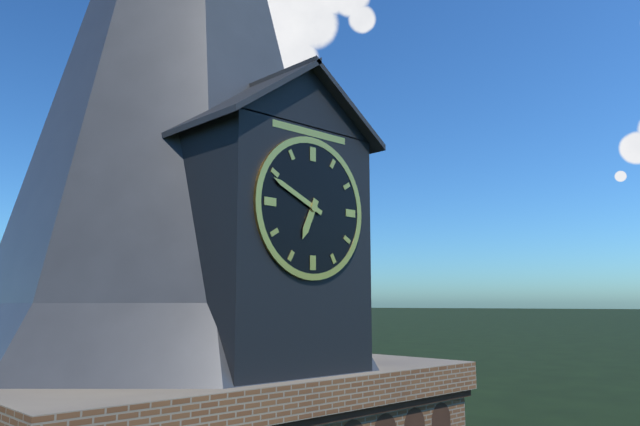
6:49
